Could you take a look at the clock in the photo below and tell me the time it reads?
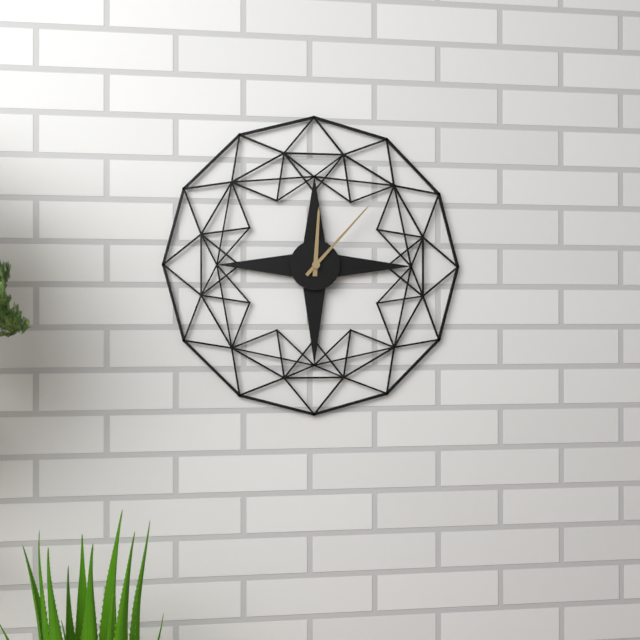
12:07
